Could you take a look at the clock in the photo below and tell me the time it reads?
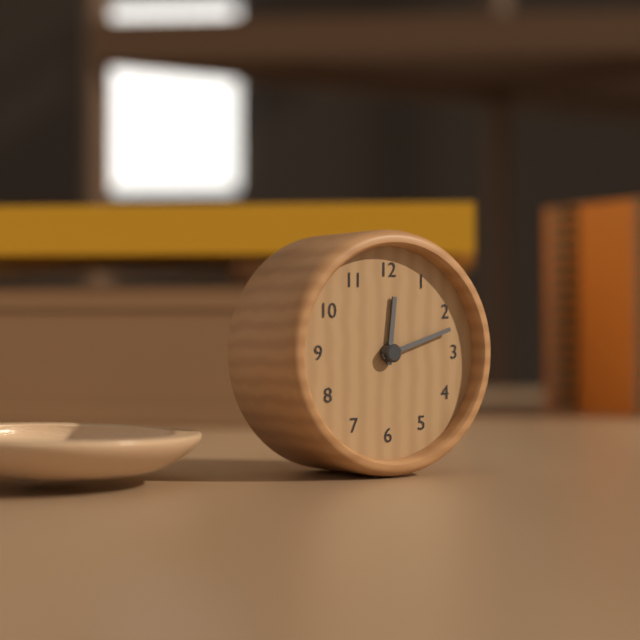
12:12
